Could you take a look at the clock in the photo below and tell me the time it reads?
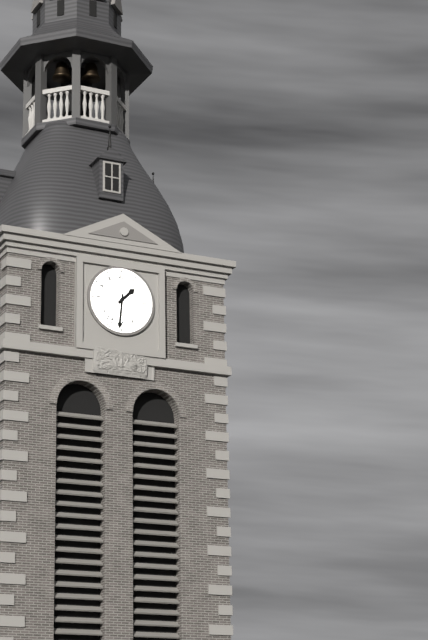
1:31
